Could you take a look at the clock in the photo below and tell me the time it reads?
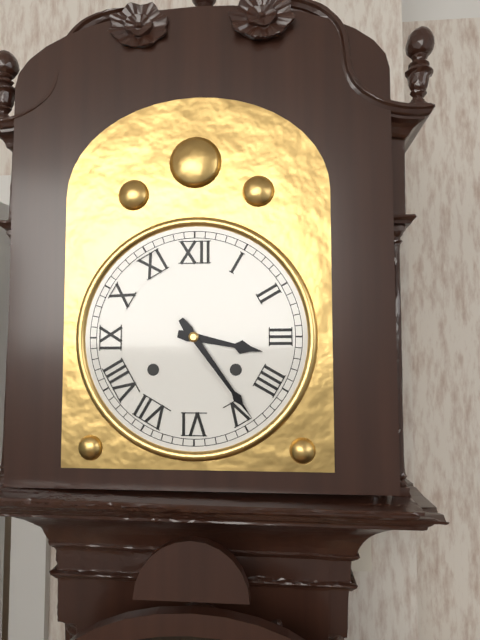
3:24
